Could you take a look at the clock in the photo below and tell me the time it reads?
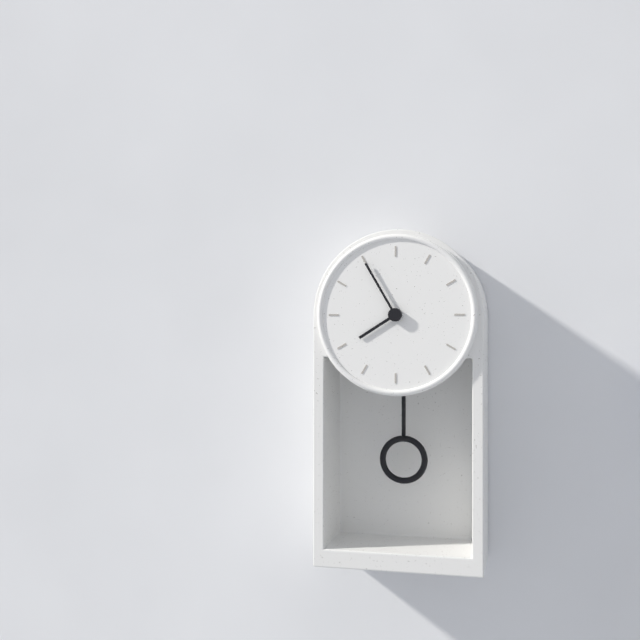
7:55
